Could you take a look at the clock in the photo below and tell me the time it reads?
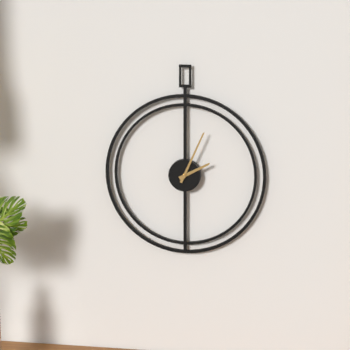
2:04
